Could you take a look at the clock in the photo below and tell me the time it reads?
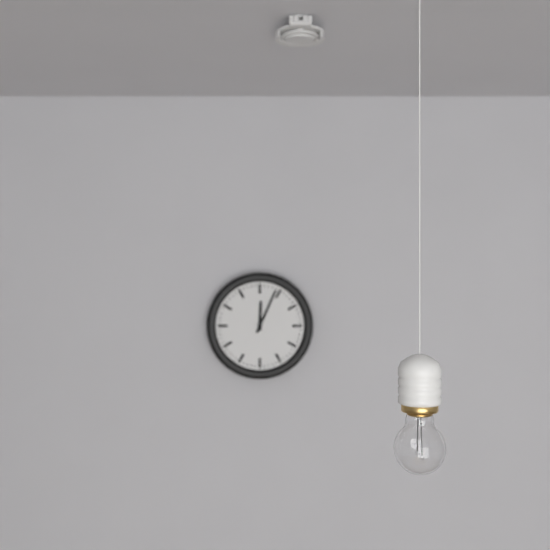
12:04
